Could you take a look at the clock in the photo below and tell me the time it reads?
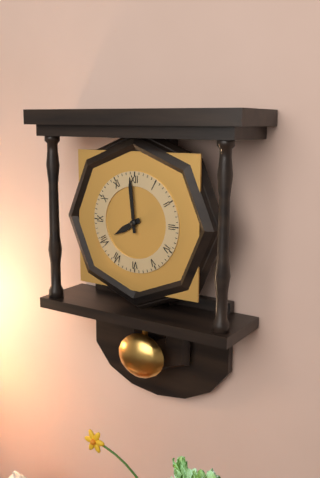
7:59
